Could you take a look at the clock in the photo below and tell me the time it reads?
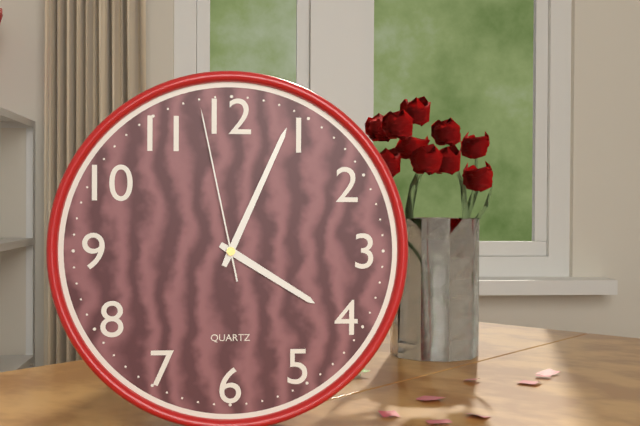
4:04:58
